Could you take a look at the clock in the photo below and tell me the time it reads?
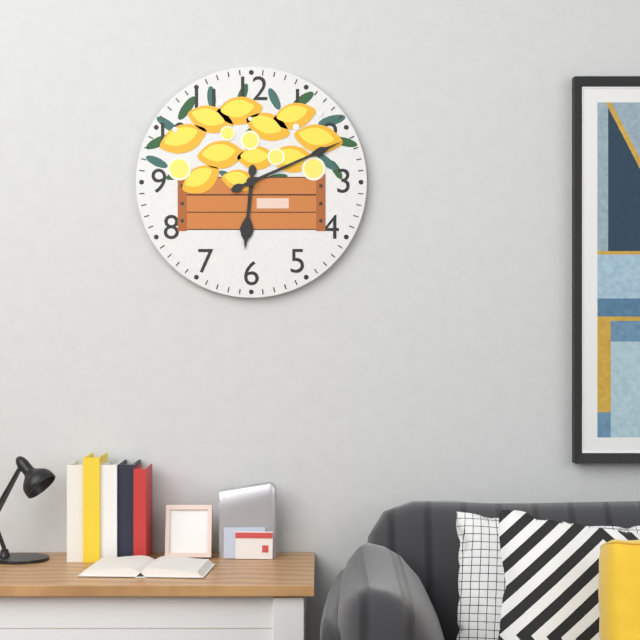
6:11
